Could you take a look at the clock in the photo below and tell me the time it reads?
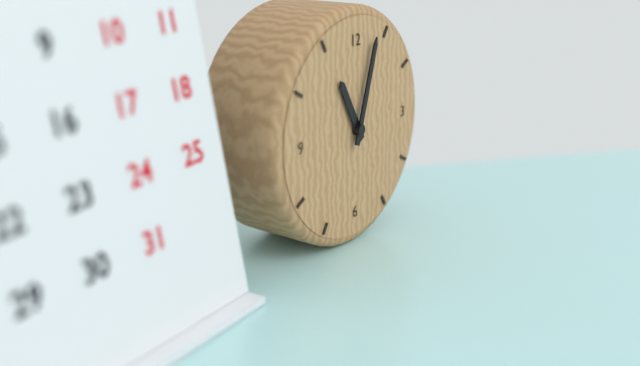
11:03
